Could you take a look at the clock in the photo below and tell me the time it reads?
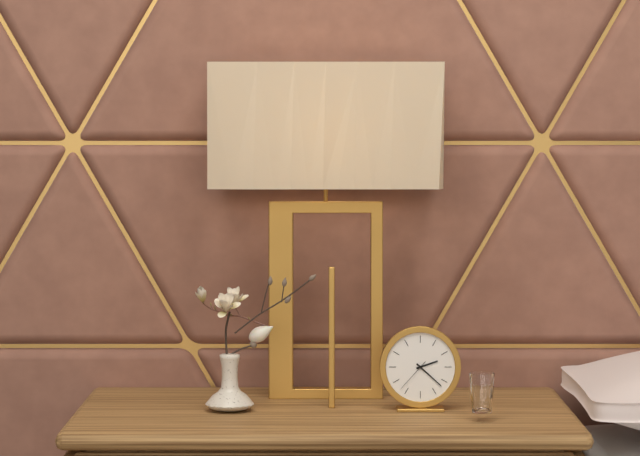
2:22
